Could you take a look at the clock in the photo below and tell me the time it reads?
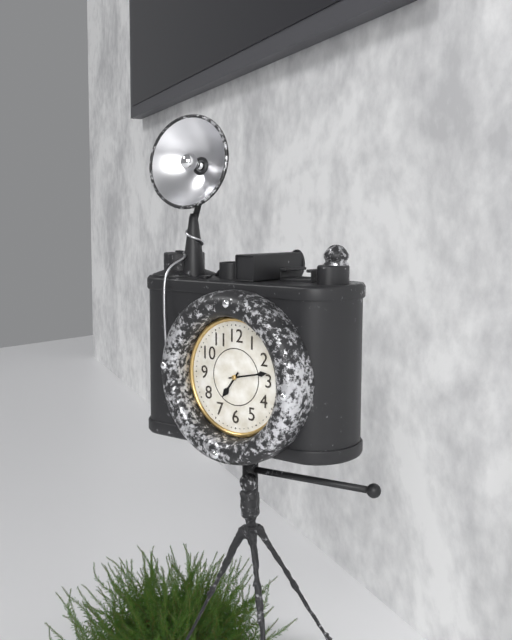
7:13
